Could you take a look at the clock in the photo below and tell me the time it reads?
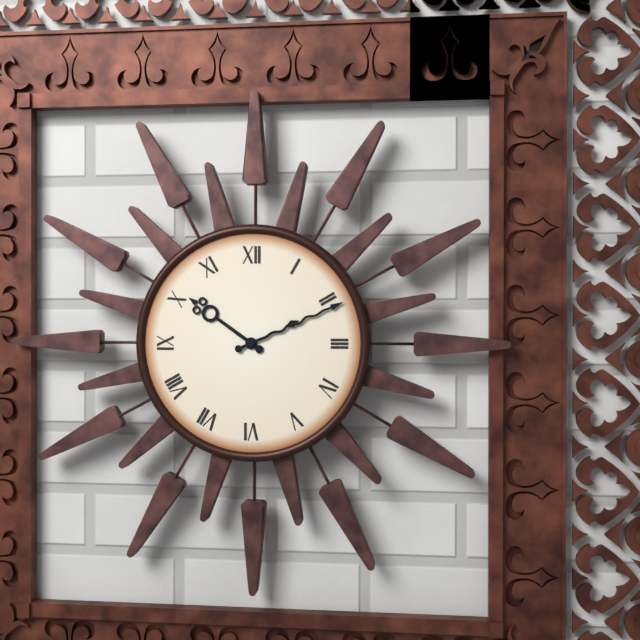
10:11
